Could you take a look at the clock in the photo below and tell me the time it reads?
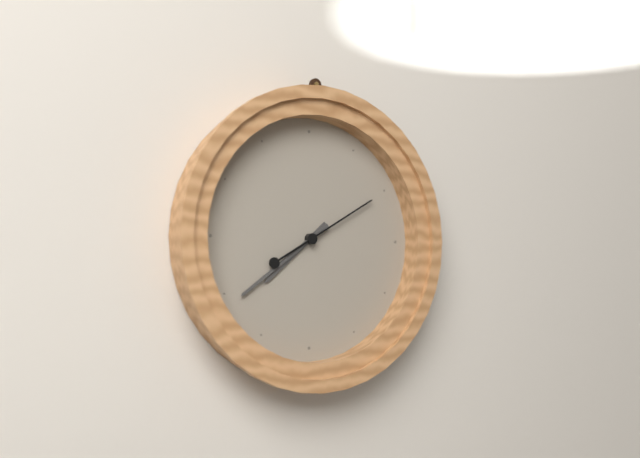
7:39:10
